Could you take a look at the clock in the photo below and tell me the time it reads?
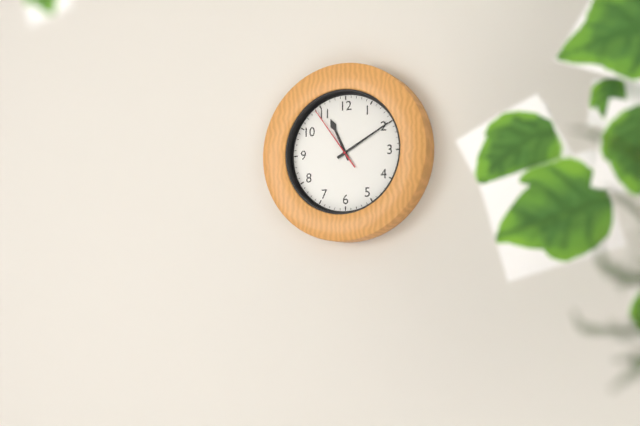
11:10:54
